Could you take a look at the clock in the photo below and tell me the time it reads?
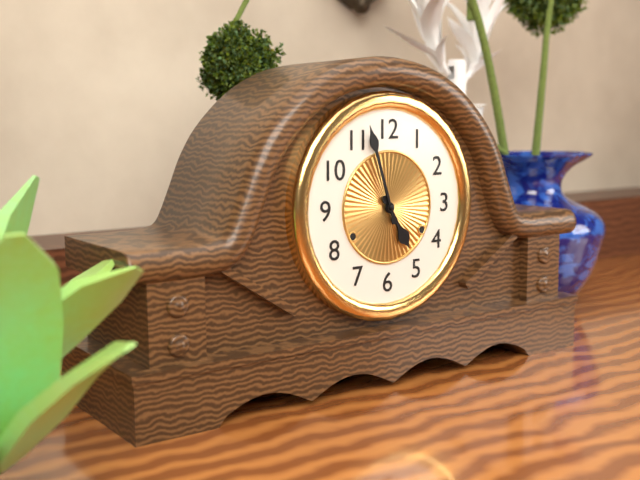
4:57
